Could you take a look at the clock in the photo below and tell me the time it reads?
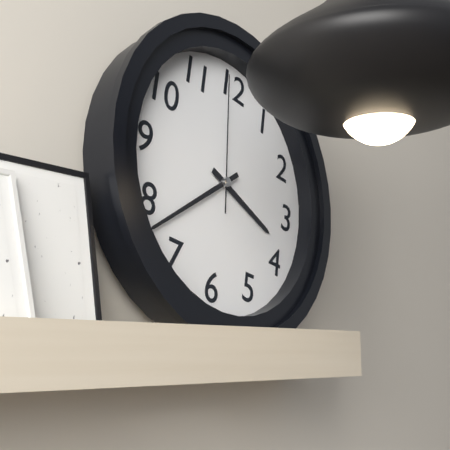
3:38:59
